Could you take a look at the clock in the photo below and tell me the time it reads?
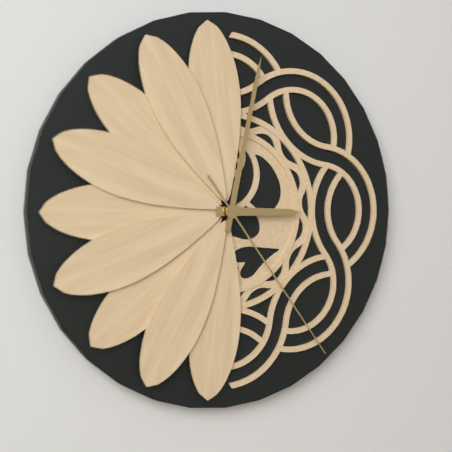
3:02:24
